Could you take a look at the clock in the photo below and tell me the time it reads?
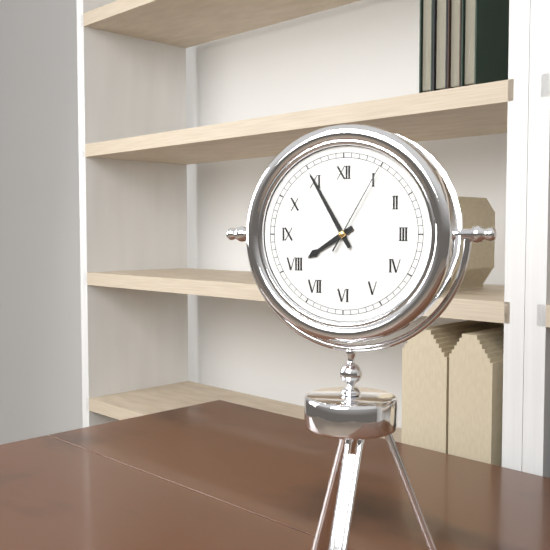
7:55:05
